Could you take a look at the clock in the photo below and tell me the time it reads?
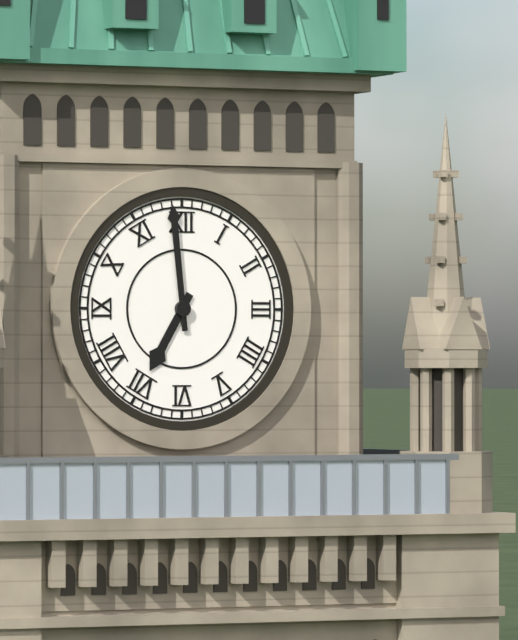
6:59
